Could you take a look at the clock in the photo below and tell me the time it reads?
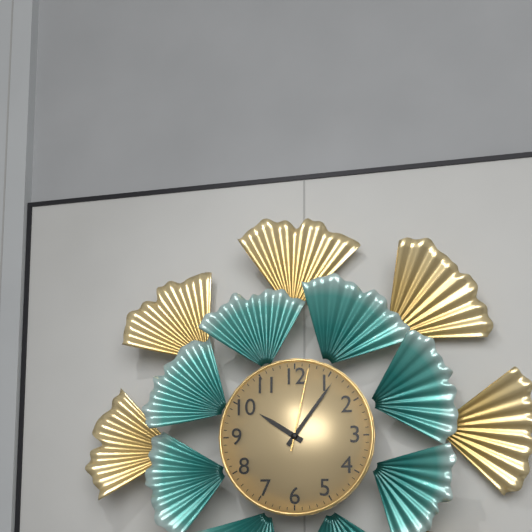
10:06:02
